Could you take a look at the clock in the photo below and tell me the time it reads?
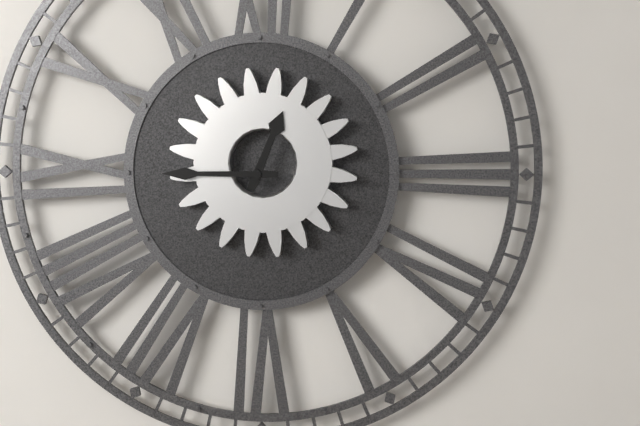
12:45
